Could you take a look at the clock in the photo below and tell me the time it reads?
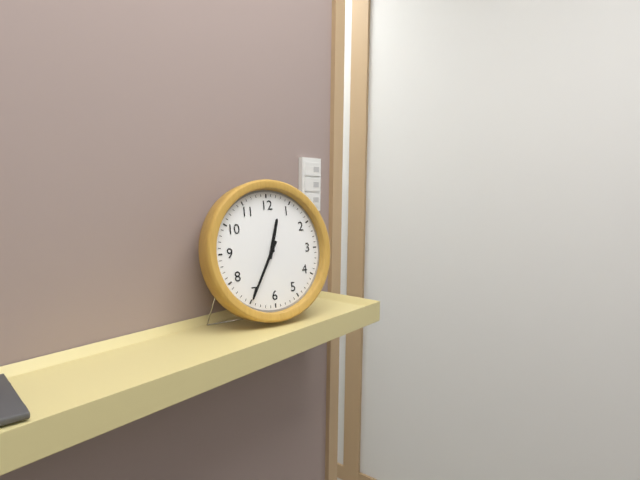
12:35
